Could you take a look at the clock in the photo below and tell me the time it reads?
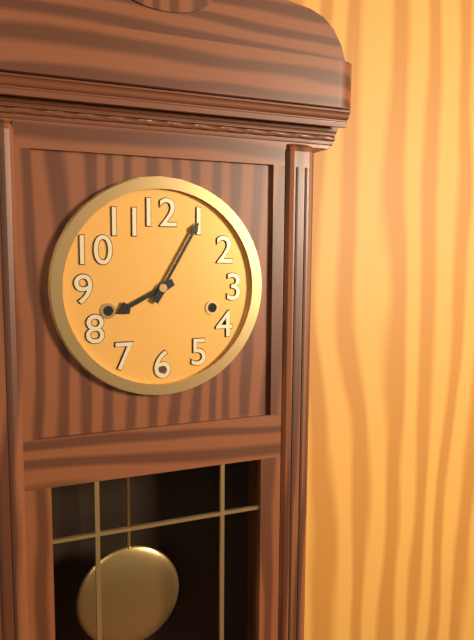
8:05
